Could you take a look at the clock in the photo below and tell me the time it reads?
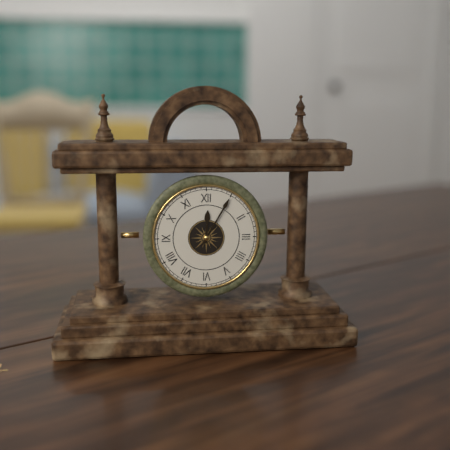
12:05
